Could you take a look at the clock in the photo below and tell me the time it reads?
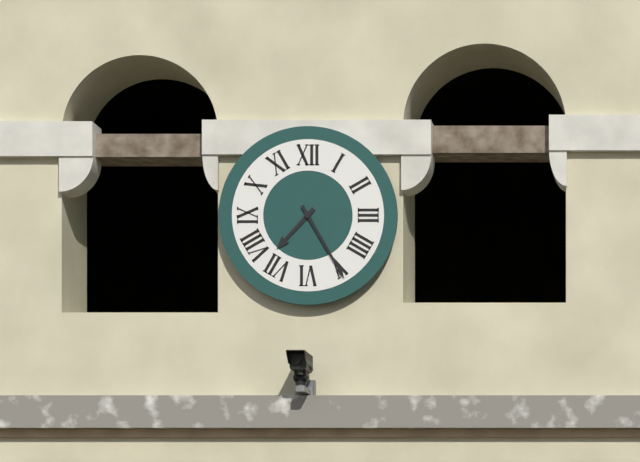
7:25
